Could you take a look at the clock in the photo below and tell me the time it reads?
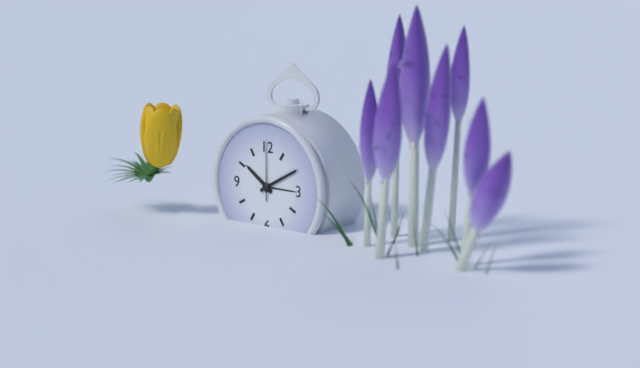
10:10:00
